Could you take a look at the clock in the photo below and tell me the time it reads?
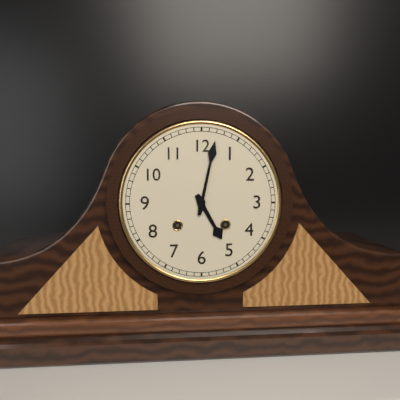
5:02
